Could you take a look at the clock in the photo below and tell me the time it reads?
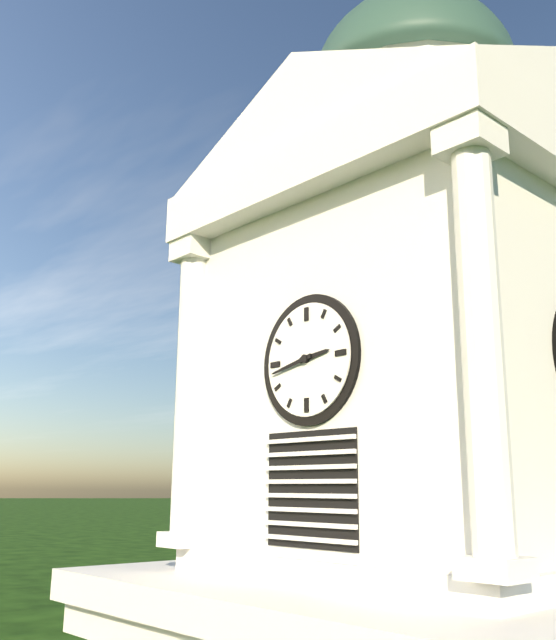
2:43
